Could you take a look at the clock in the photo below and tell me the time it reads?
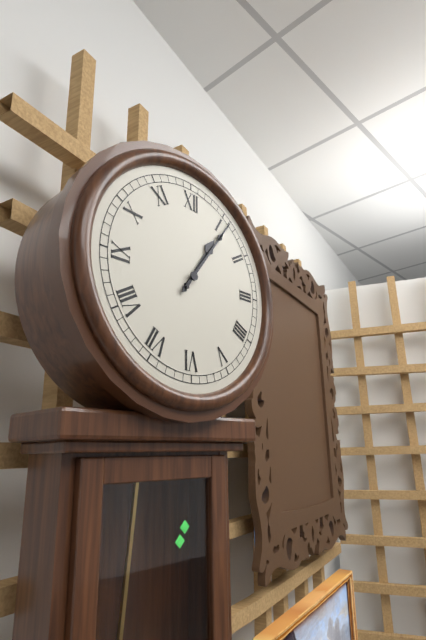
1:06
